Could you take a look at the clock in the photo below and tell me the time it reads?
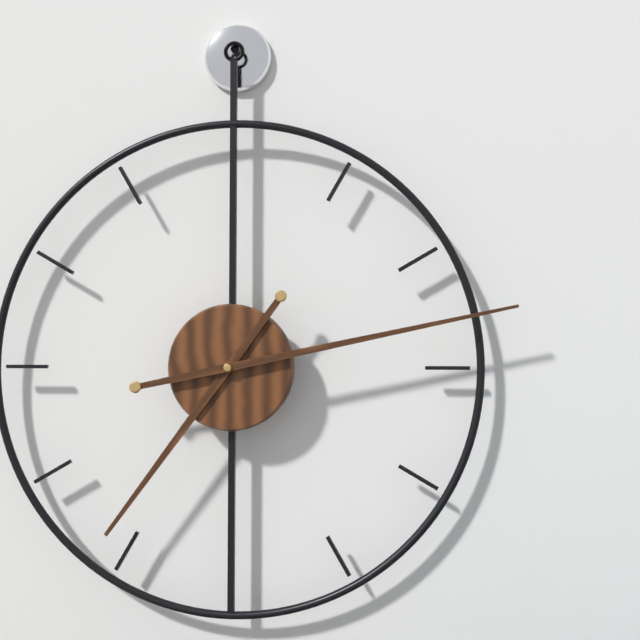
7:13
